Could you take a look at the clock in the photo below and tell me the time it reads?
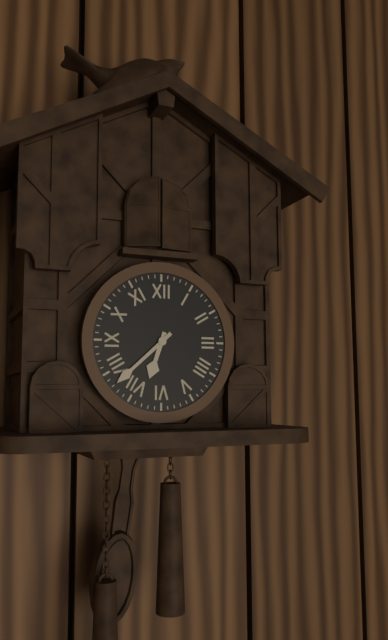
6:38
